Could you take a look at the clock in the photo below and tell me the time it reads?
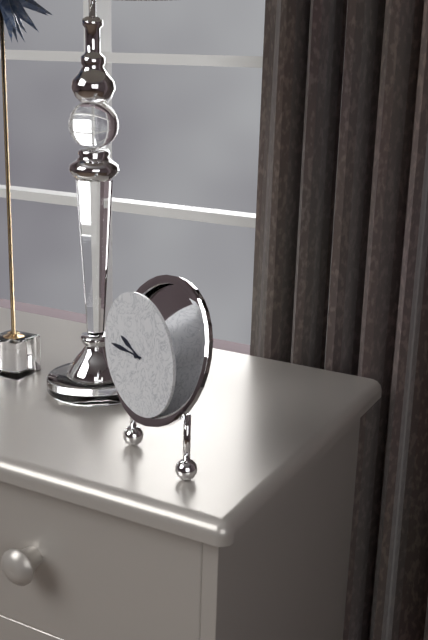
9:45
